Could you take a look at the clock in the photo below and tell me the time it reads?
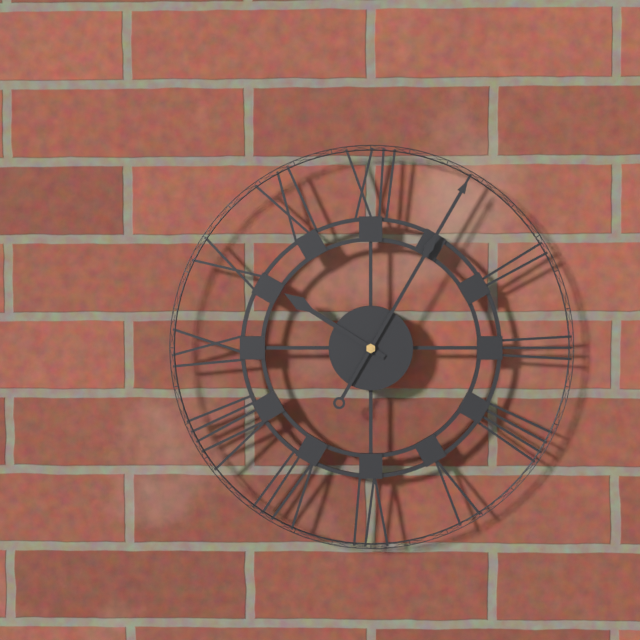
10:05
